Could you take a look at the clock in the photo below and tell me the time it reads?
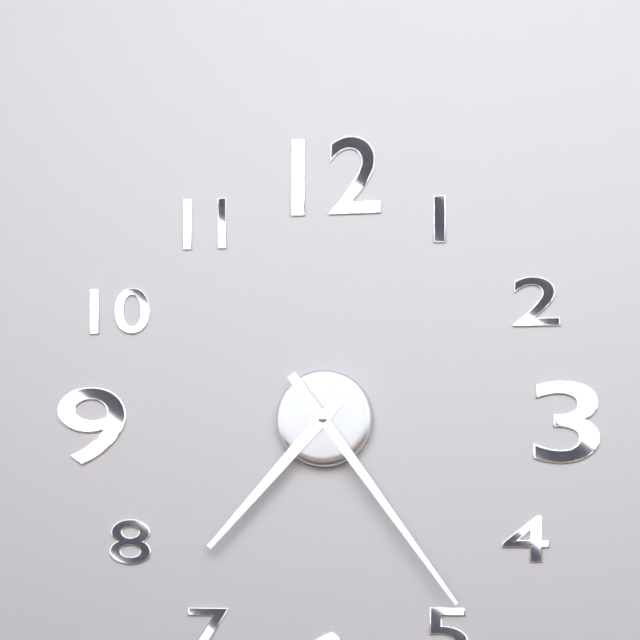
7:24
